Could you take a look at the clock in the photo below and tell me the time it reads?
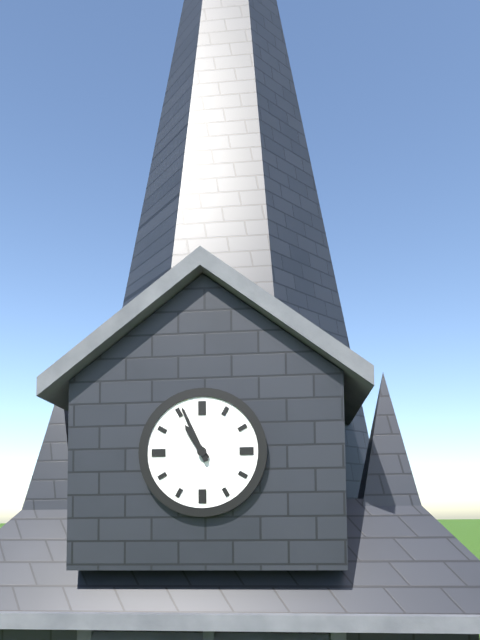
10:56
